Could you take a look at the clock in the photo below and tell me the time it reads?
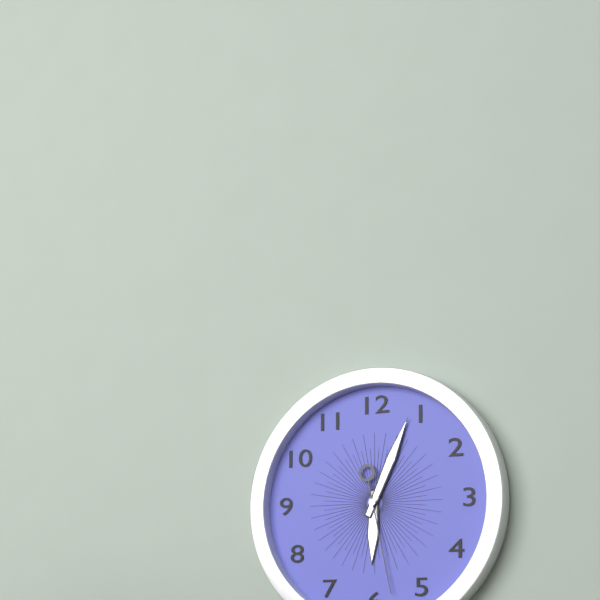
6:04:28
